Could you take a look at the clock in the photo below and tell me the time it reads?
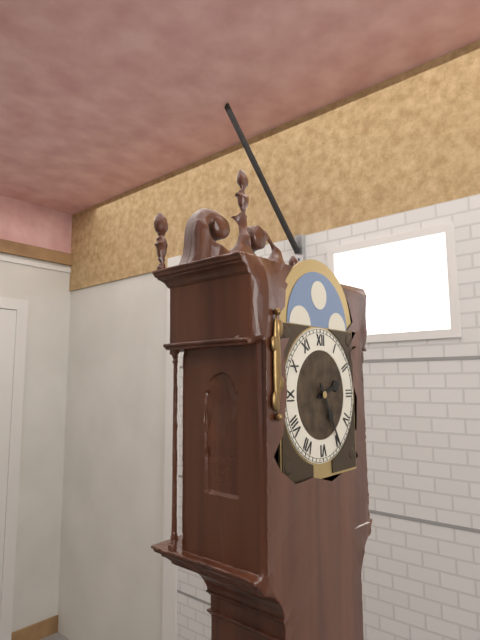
2:25
